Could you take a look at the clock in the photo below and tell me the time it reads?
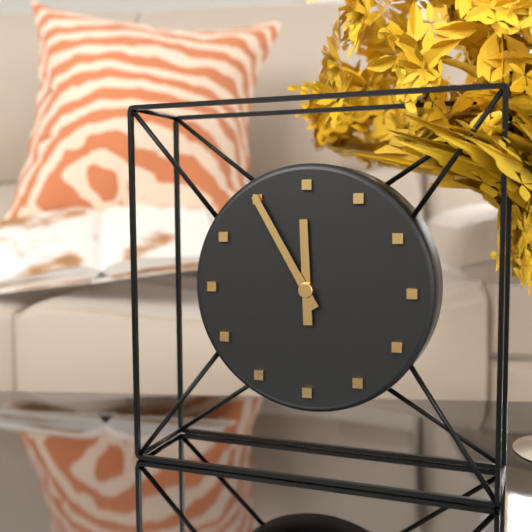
11:55
